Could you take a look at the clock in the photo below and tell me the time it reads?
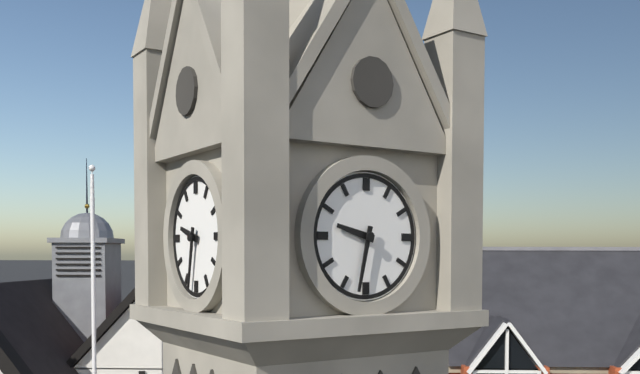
9:32
